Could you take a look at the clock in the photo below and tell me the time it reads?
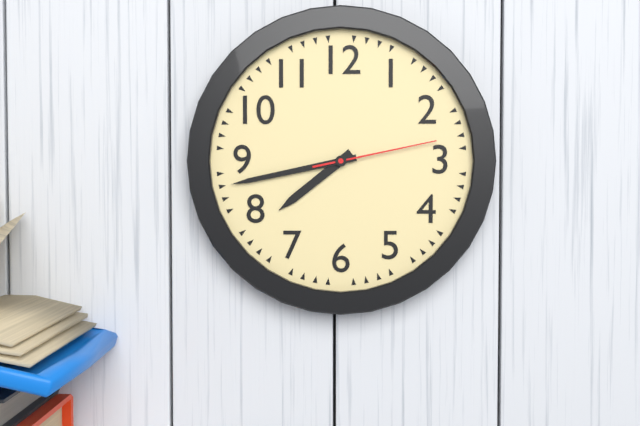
7:43:13
